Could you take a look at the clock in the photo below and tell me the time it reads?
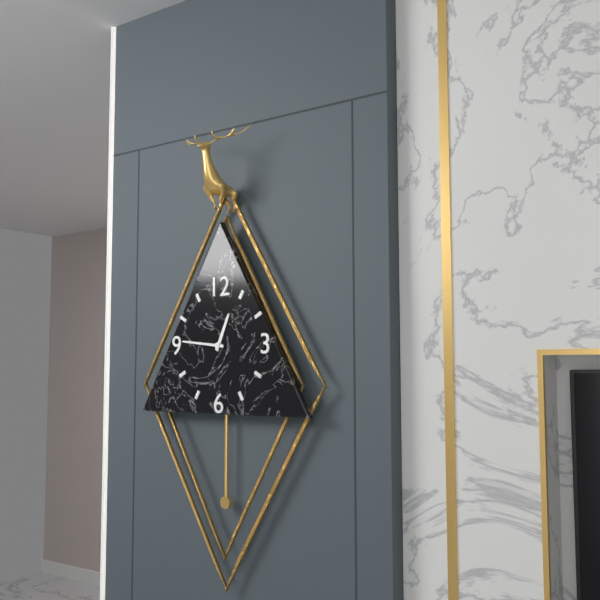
12:46
